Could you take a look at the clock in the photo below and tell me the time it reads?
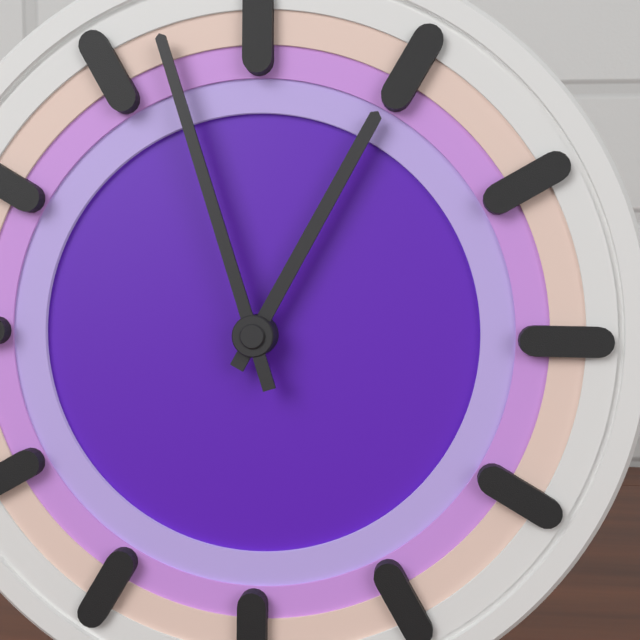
12:57
